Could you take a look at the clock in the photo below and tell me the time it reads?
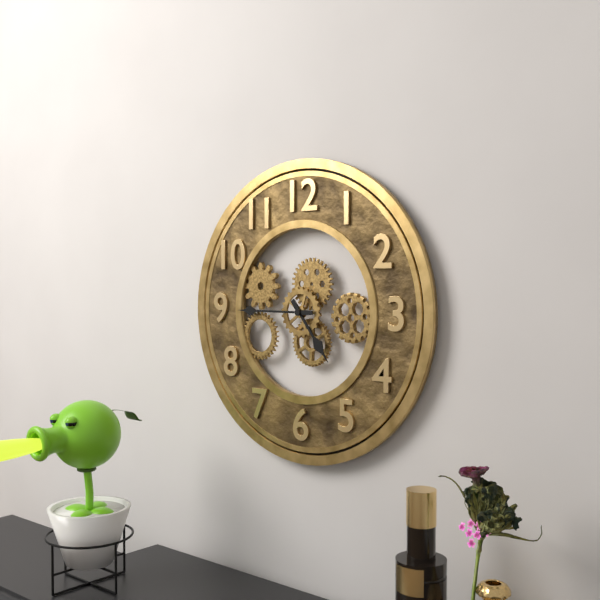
4:45
